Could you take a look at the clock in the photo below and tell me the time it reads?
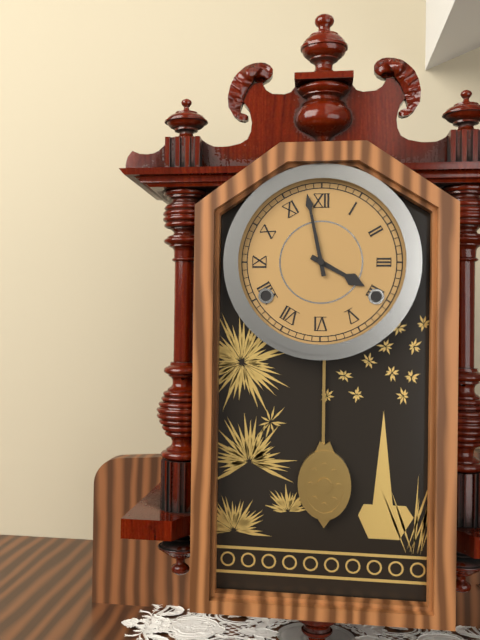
3:58
